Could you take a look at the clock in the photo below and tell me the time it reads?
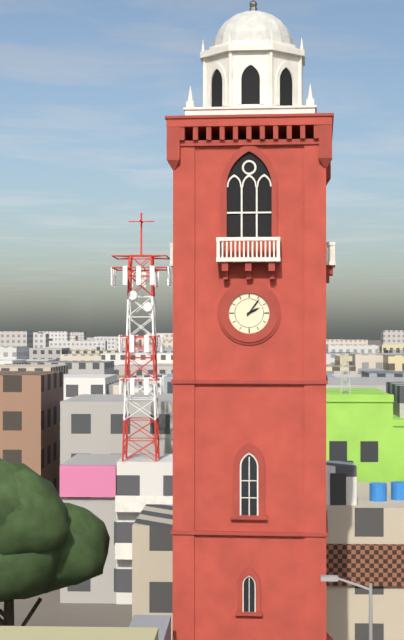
2:06
